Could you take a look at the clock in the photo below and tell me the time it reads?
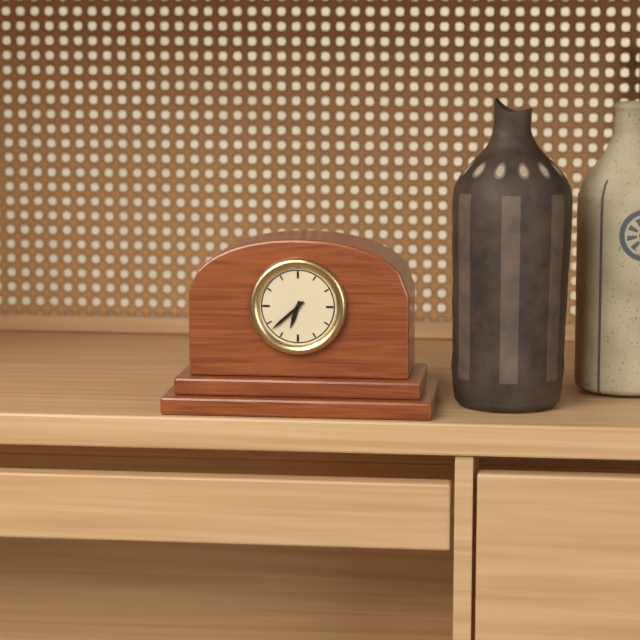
6:38
